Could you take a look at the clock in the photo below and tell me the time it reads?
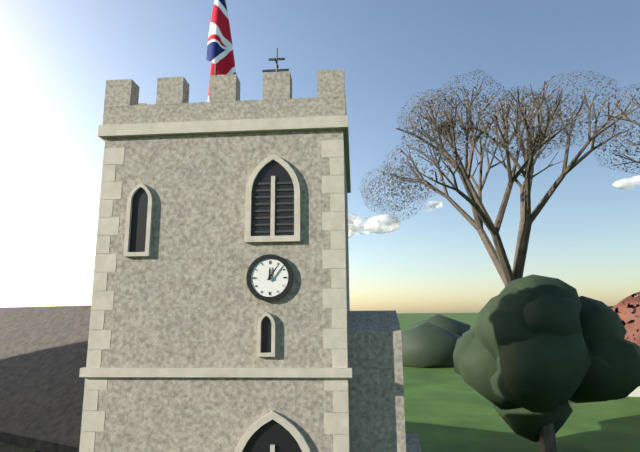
12:06
